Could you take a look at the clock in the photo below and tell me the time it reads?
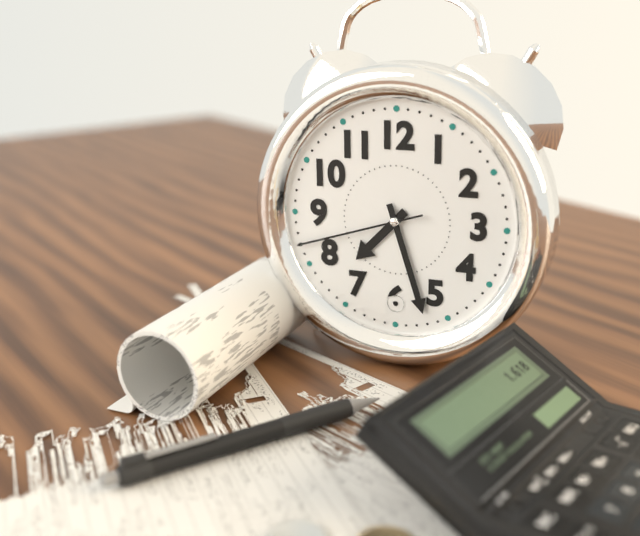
7:27:42
